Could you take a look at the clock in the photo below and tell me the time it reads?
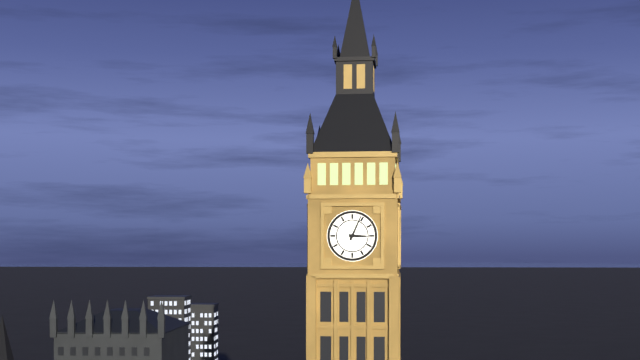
3:04
